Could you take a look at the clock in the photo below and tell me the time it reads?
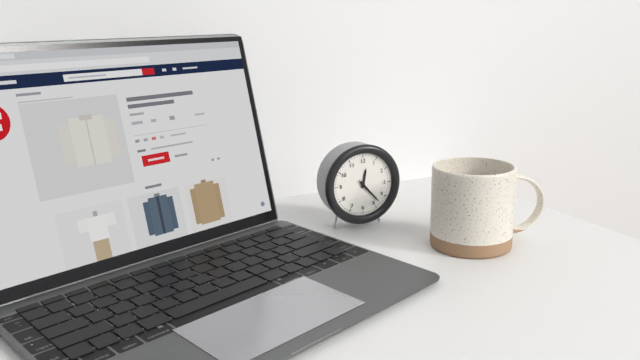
12:23
